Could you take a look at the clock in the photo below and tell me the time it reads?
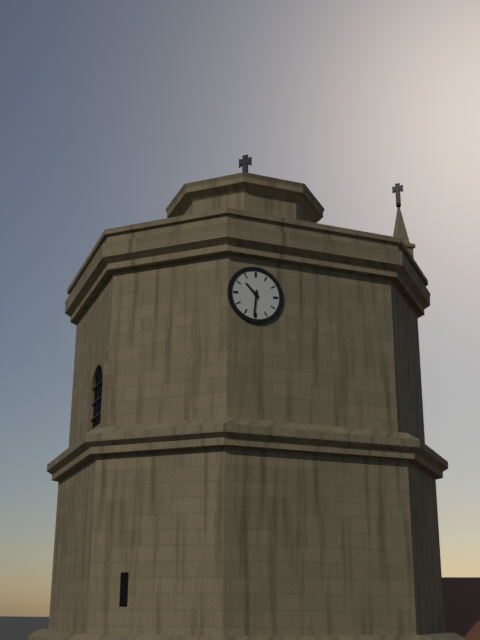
10:31
